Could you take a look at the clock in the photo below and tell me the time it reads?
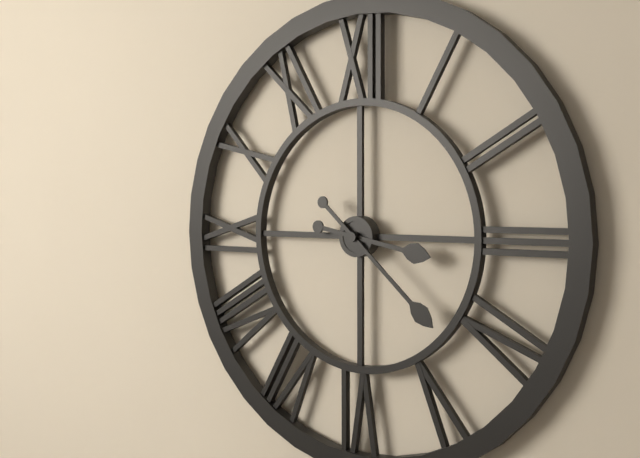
3:22
